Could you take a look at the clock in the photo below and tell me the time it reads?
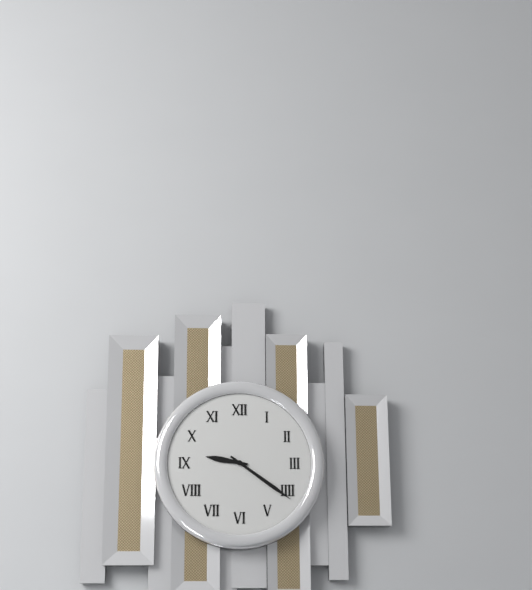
9:21
